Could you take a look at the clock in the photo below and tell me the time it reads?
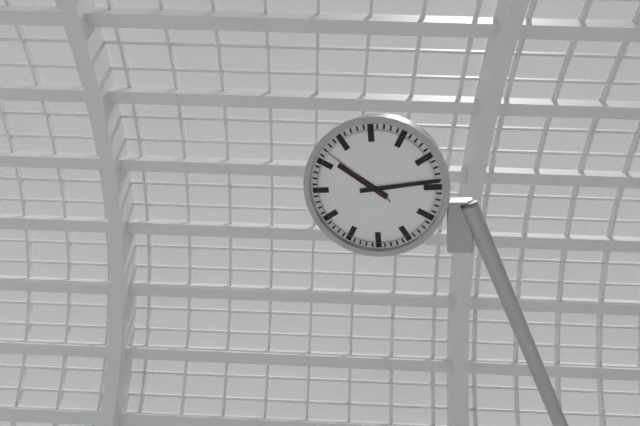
10:14:52
